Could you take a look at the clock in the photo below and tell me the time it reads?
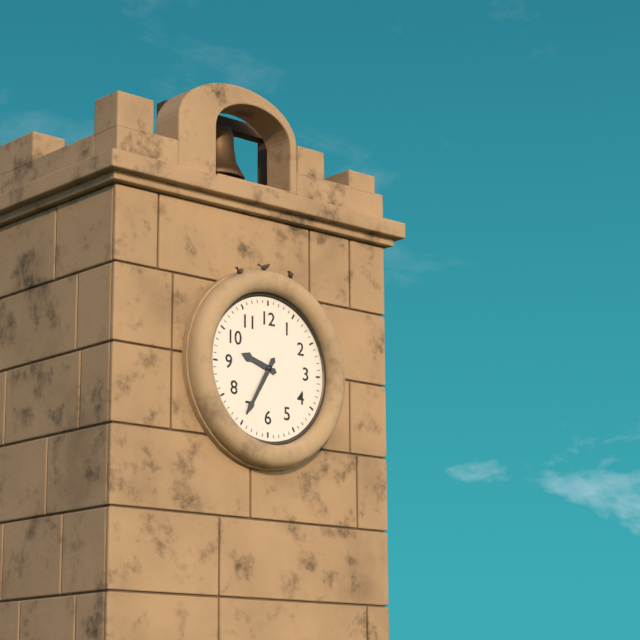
9:35
